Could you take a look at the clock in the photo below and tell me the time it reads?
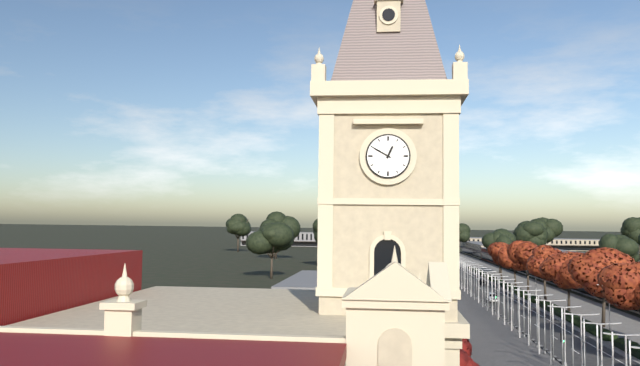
12:50
